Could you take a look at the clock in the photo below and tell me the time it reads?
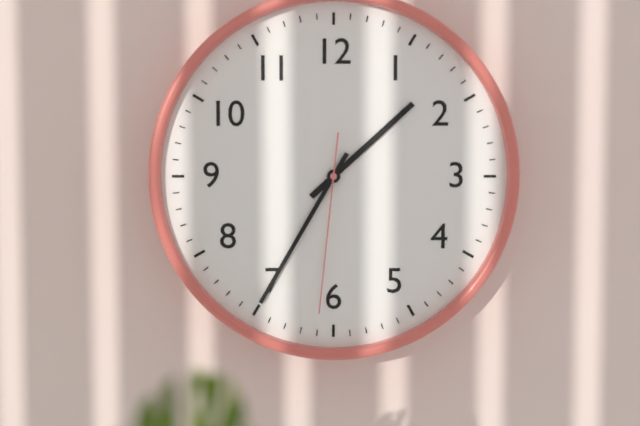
1:35:31
